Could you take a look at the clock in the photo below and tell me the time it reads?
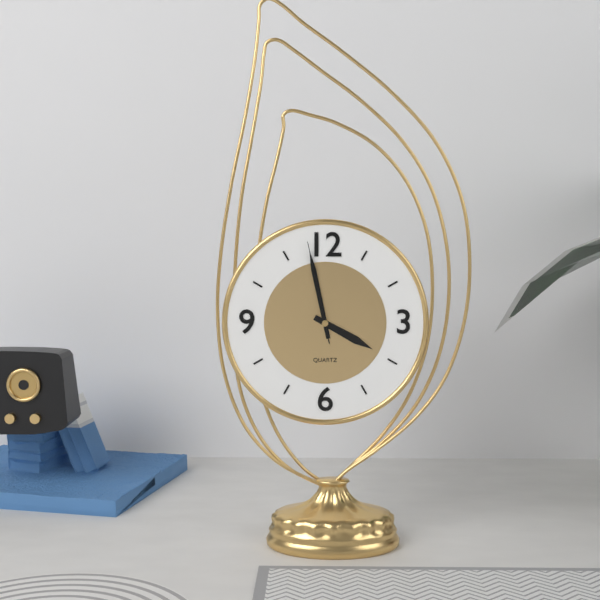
3:58:58
